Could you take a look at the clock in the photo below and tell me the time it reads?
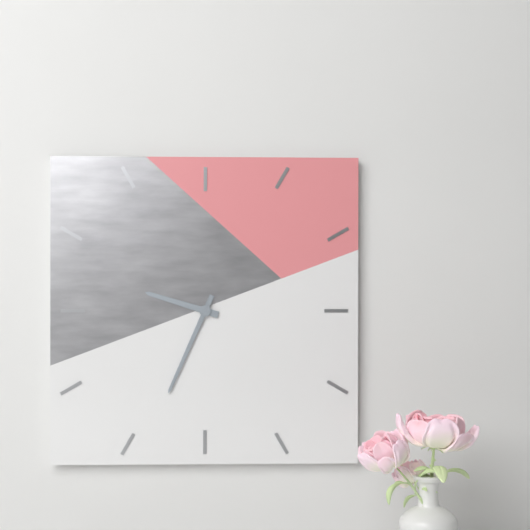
9:34
